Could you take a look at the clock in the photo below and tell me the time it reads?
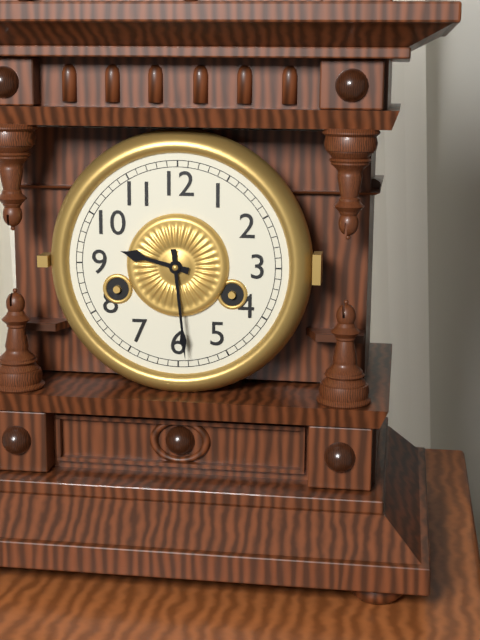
9:29
